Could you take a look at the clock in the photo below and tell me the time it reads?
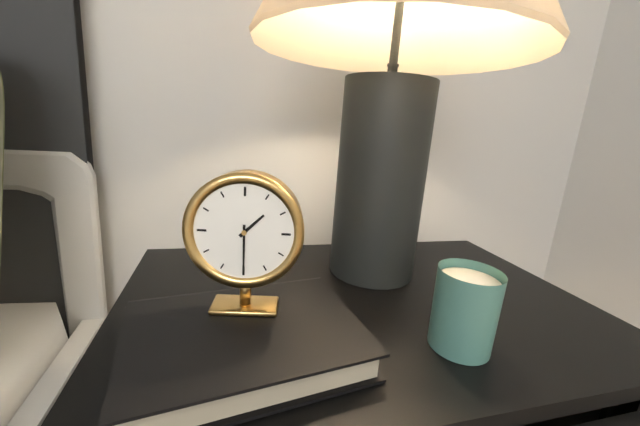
1:30
